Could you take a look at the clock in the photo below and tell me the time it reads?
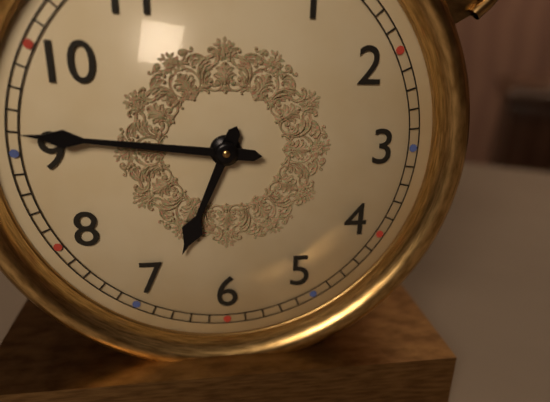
6:46
